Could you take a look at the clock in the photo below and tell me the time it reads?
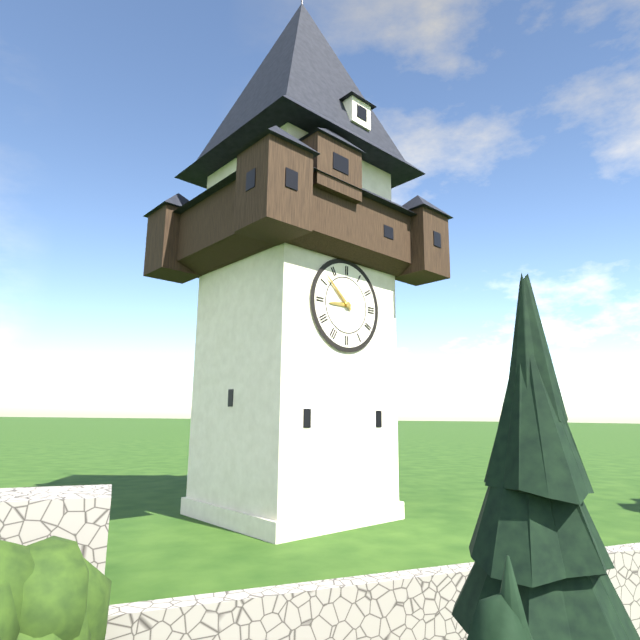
8:52
